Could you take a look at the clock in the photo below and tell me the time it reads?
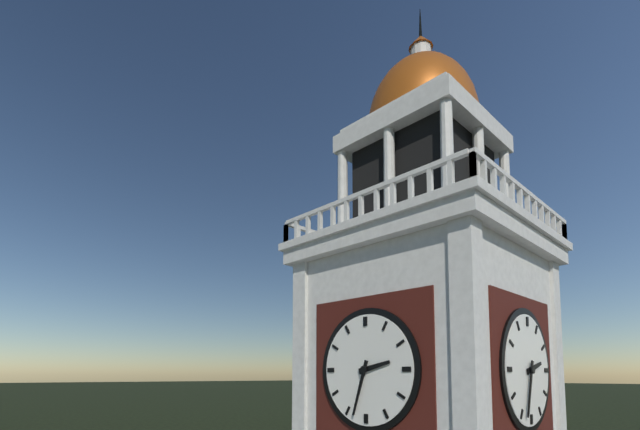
2:33
